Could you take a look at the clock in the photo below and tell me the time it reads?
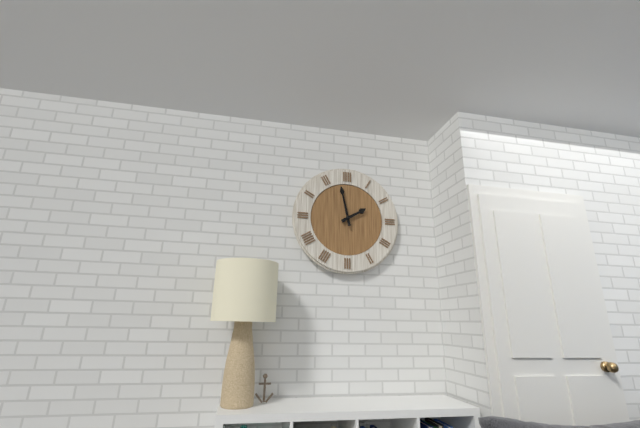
1:58
